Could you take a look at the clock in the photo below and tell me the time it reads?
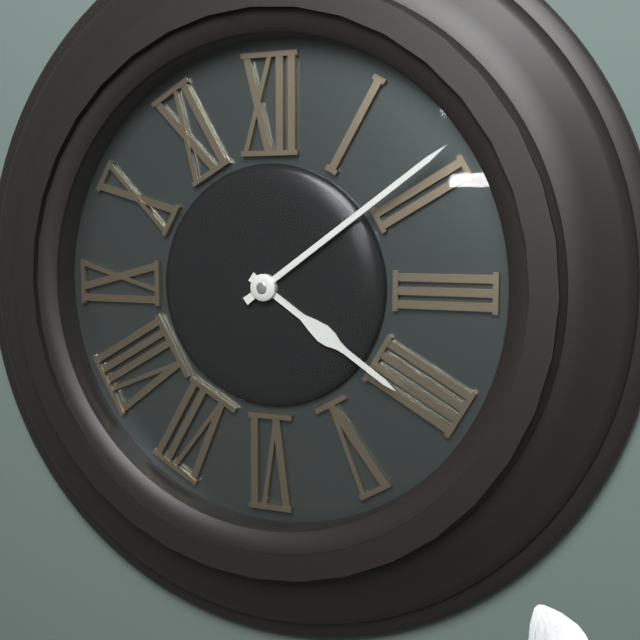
4:09
